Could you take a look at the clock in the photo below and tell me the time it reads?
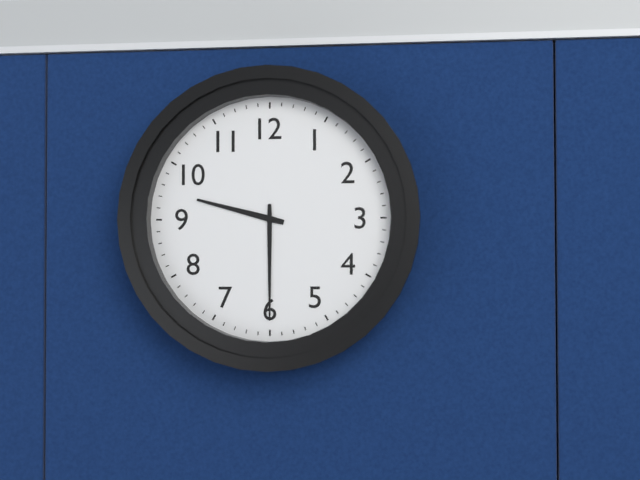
9:30
